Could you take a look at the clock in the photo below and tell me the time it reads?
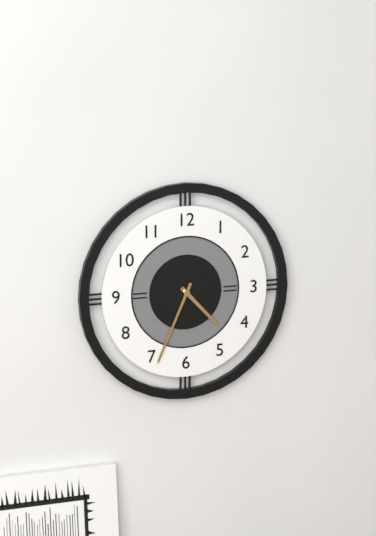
4:34
